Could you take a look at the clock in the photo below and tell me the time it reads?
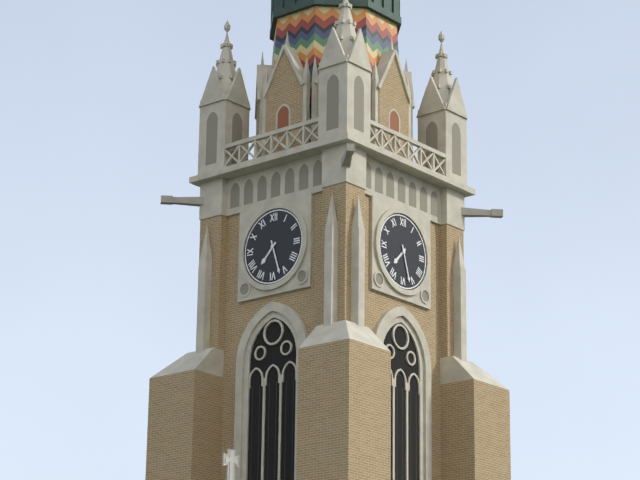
7:27
